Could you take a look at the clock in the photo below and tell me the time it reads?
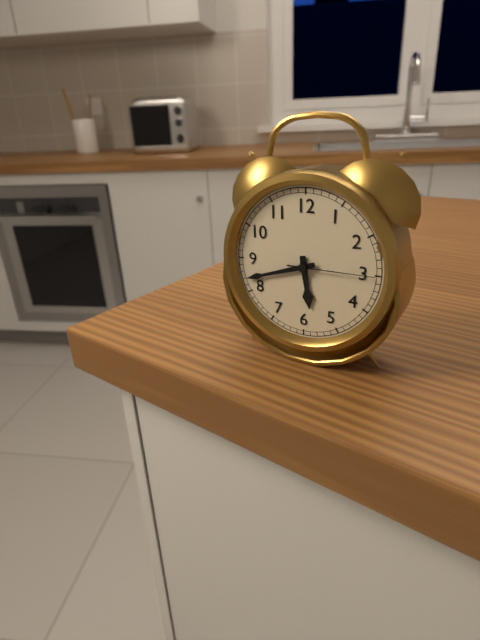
5:42:15
